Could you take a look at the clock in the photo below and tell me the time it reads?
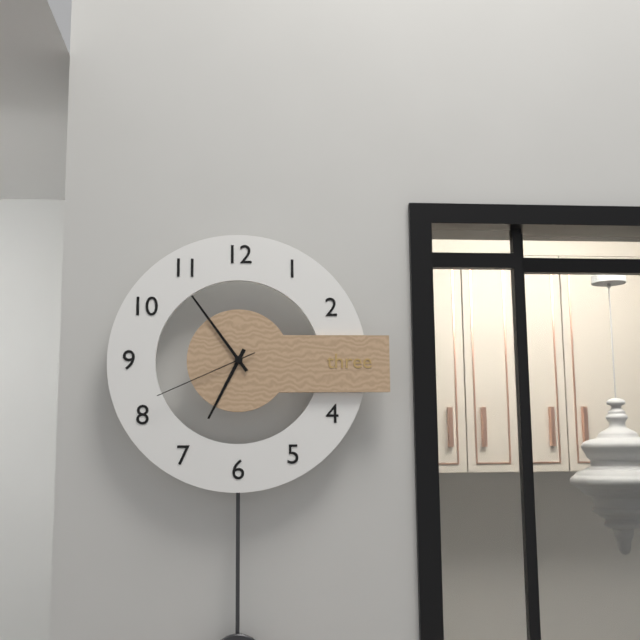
6:54:41
